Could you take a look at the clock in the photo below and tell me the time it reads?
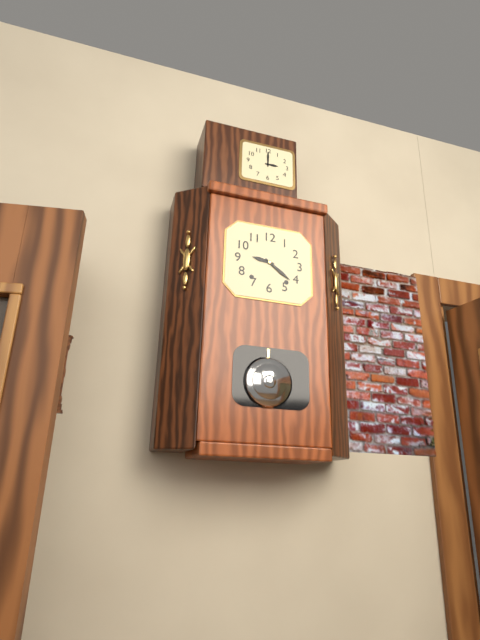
9:21
